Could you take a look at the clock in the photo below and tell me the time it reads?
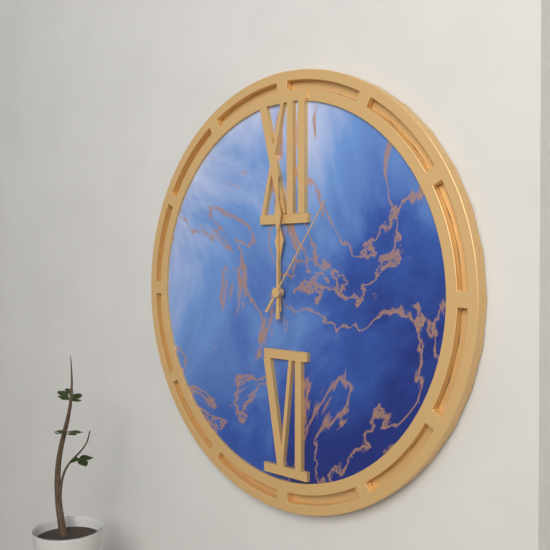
12:00:06
